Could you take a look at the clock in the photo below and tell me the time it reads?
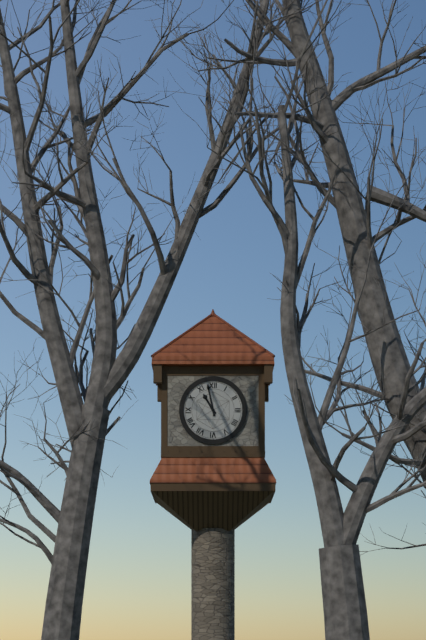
10:58
